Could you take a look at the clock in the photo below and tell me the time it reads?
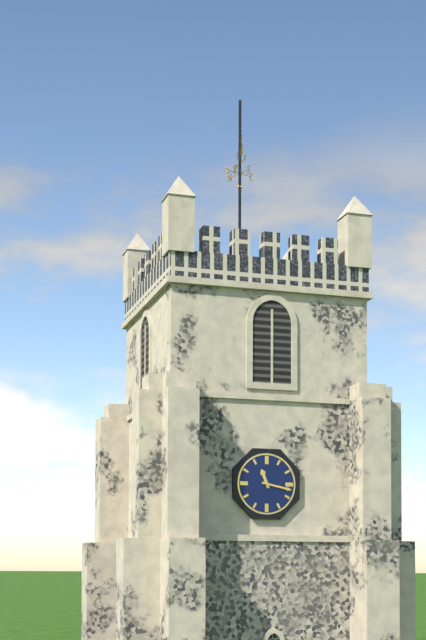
11:17
